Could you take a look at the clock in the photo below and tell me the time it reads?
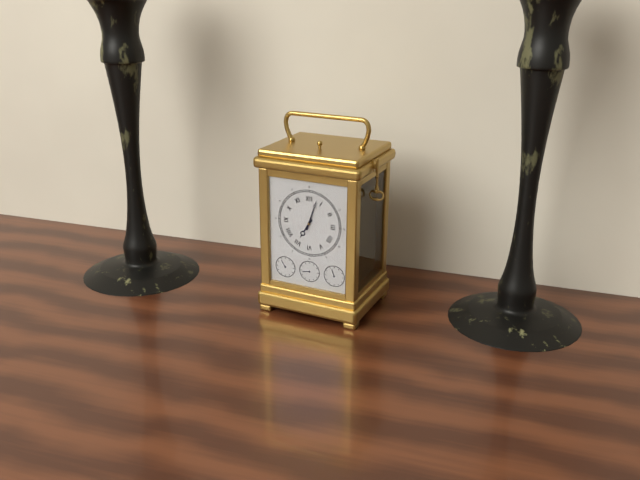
7:03
